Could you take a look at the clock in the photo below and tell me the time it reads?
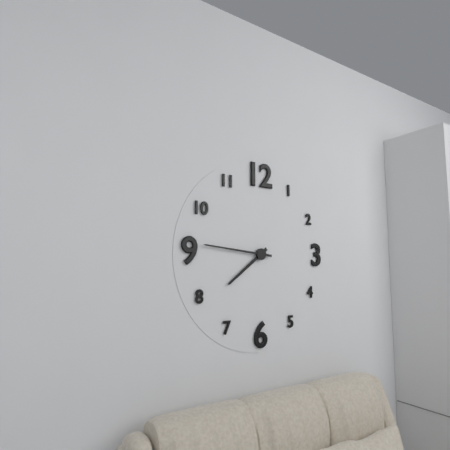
7:46
